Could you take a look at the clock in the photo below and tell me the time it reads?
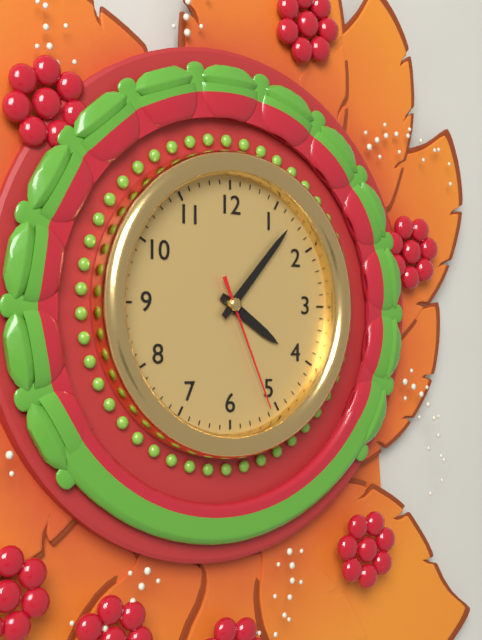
4:07:26
